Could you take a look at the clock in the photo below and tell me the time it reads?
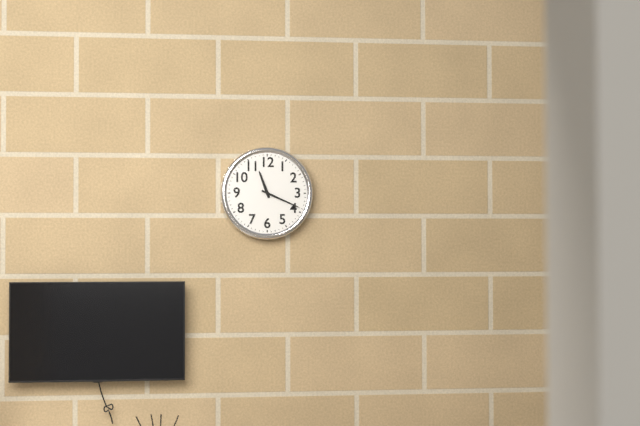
11:19
